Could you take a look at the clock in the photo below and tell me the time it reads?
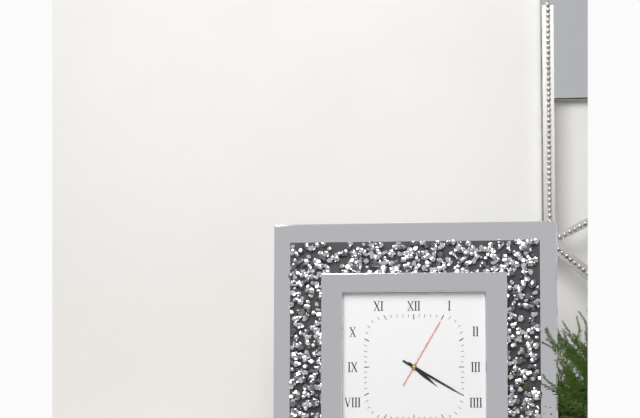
4:20:05
